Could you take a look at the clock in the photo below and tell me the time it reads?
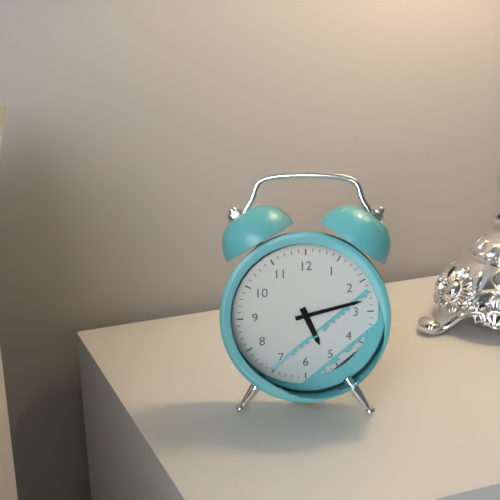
5:13
